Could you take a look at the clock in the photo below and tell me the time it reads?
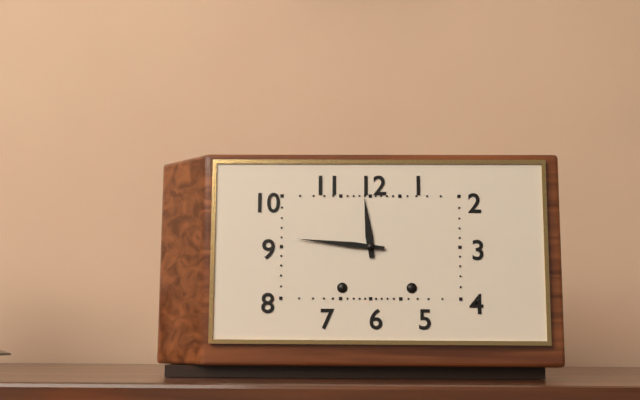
11:46
